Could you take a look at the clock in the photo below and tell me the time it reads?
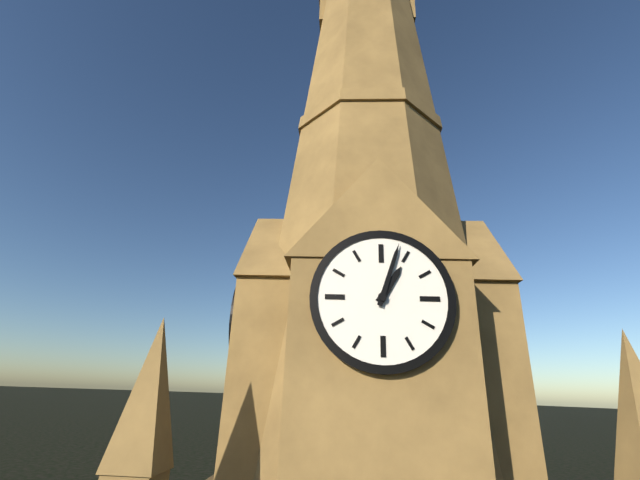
1:03
